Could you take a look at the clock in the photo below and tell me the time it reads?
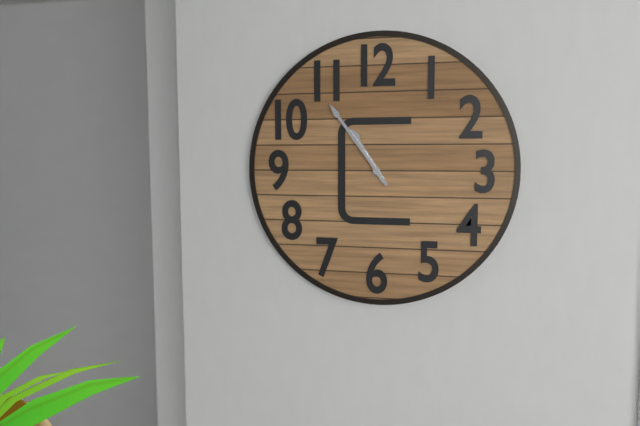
10:54
